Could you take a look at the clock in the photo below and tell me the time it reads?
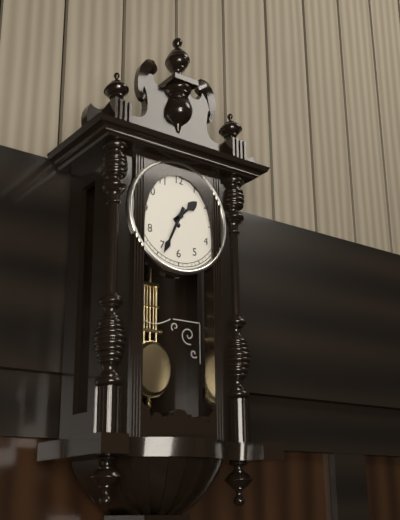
1:34
